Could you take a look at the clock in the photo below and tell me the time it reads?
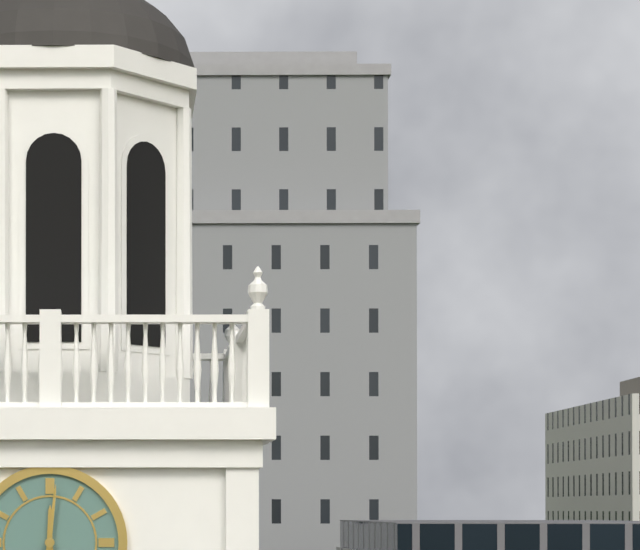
12:01
